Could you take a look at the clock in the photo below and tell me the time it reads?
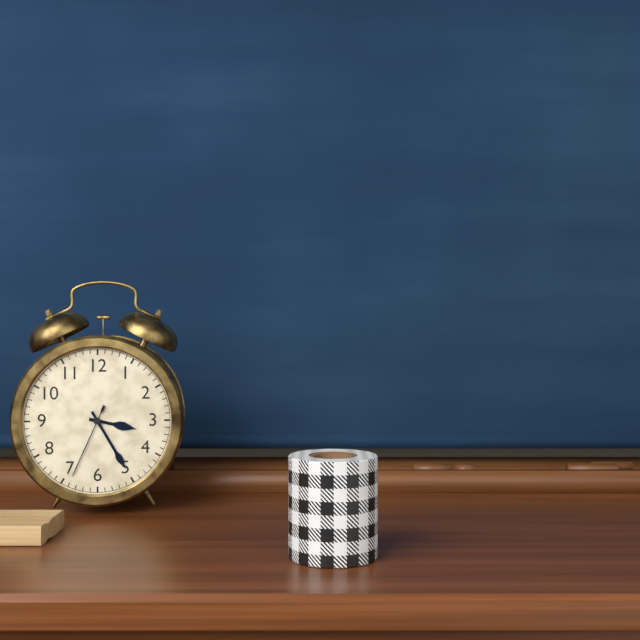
3:25:34
